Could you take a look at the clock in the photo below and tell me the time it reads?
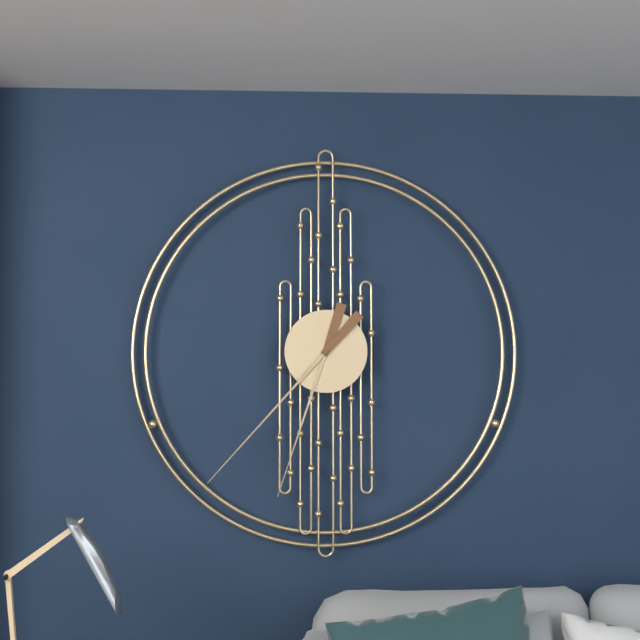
6:37
